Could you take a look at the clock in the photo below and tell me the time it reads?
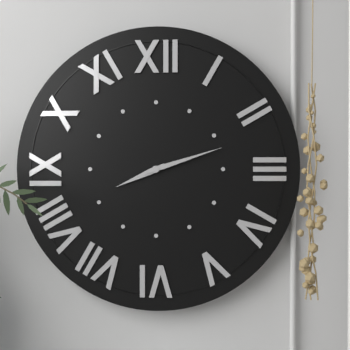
8:12
